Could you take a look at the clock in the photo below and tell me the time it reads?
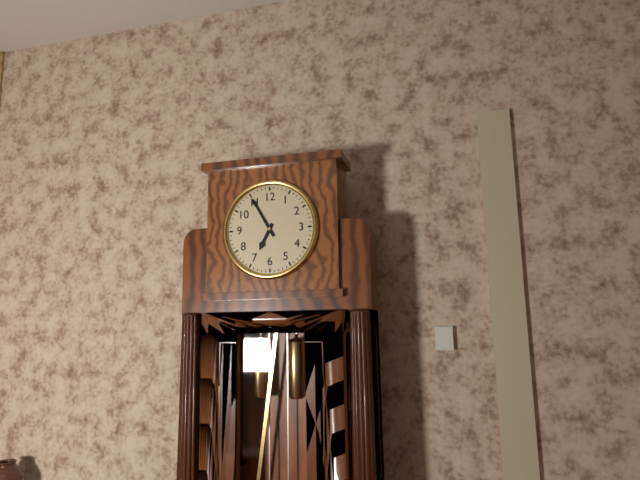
6:55
